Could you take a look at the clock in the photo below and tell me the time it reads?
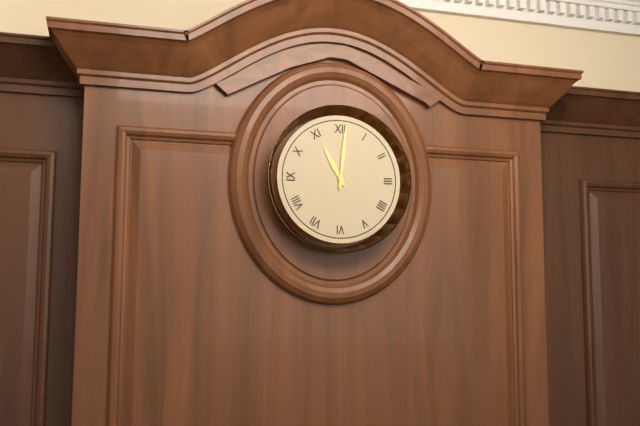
11:01
